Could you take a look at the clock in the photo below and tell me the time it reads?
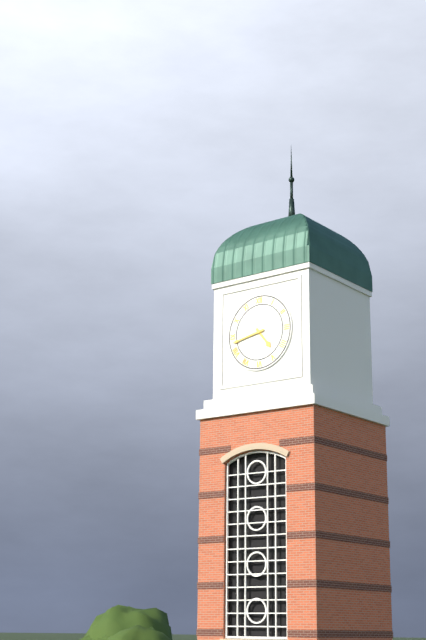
4:43
